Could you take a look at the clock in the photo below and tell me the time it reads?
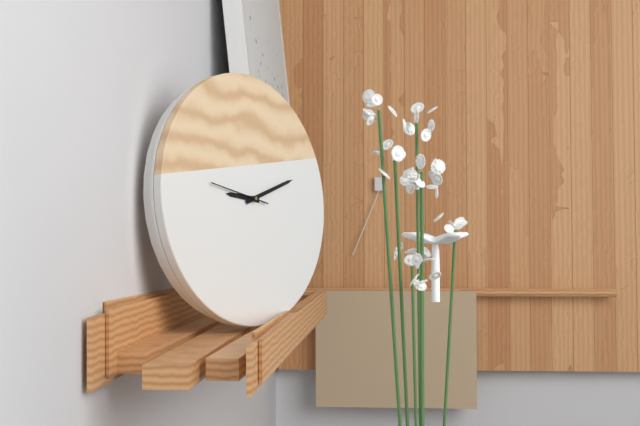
9:12:47
